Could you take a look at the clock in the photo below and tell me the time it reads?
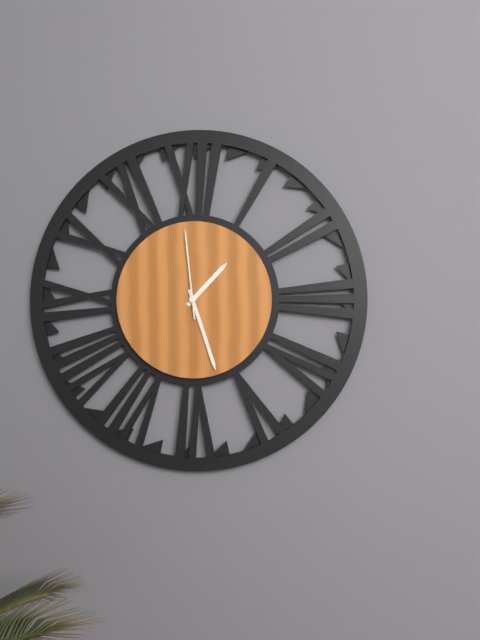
1:27:59
